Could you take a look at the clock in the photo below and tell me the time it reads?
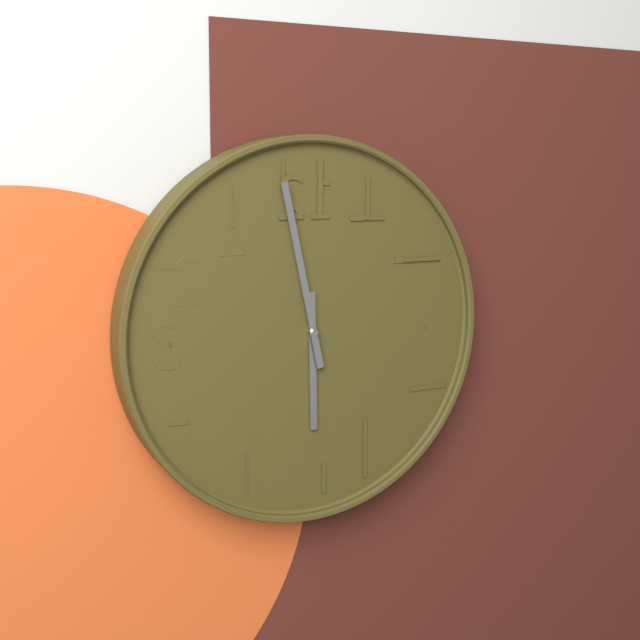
5:58
